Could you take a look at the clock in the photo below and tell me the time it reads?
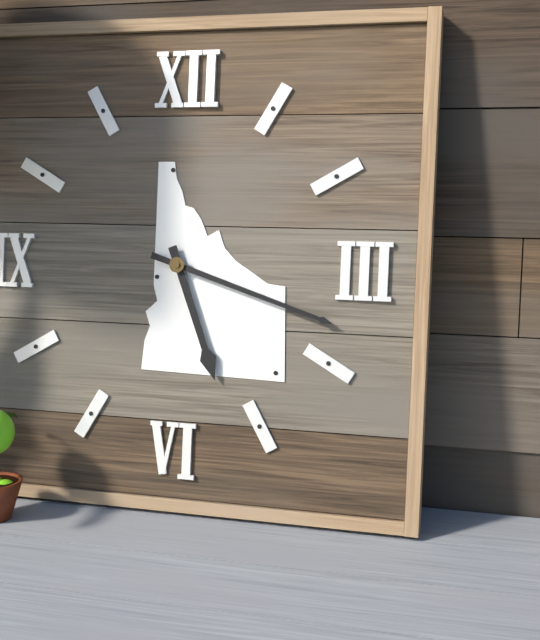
5:18
